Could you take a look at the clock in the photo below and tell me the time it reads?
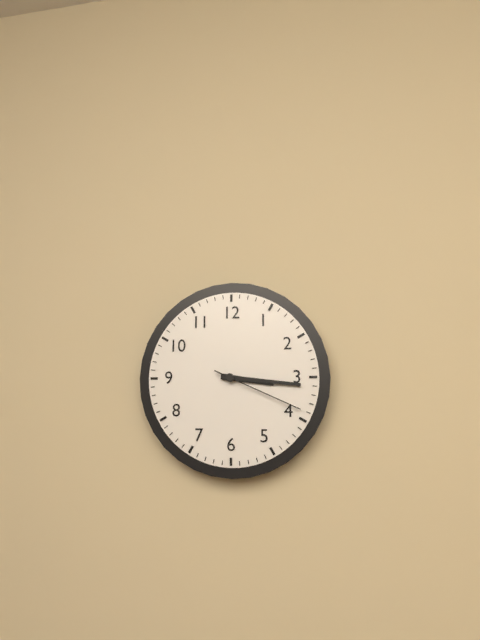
3:16:19
